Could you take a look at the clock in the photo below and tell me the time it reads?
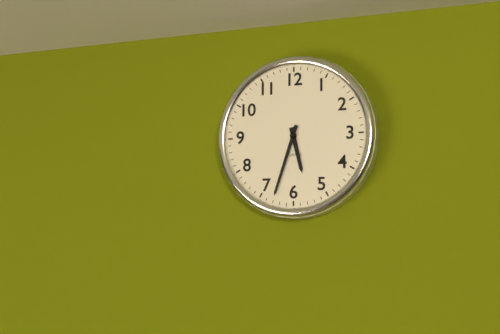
5:33
